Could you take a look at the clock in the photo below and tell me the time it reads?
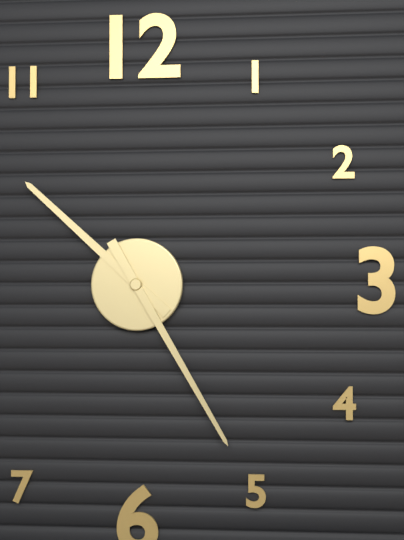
10:25
